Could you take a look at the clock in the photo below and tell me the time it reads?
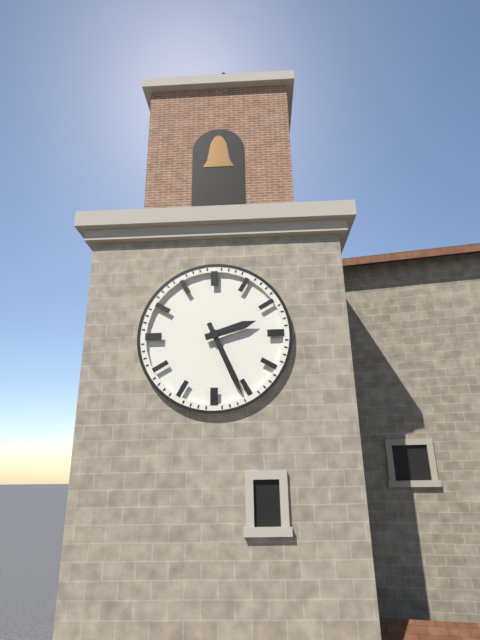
2:26
